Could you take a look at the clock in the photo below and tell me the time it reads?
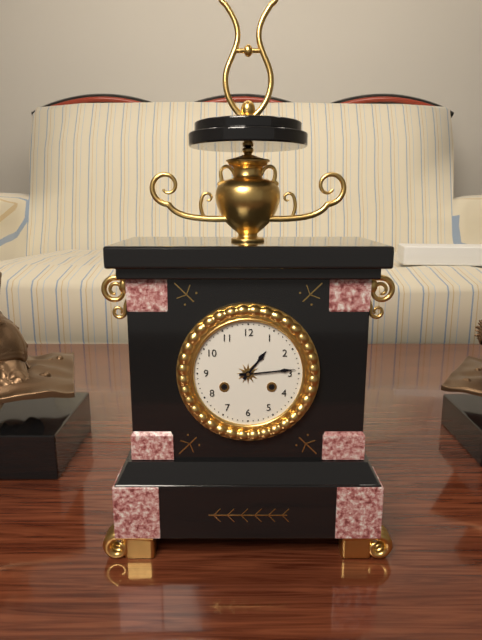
1:14
